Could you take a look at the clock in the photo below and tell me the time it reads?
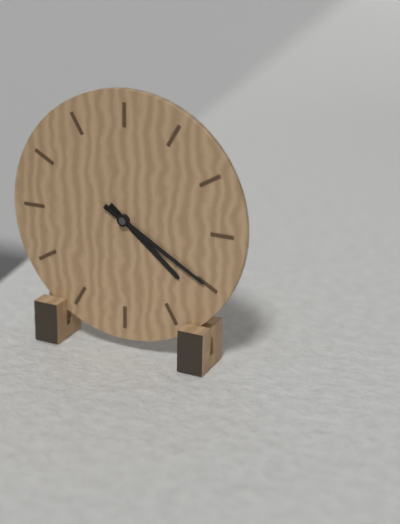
4:20
